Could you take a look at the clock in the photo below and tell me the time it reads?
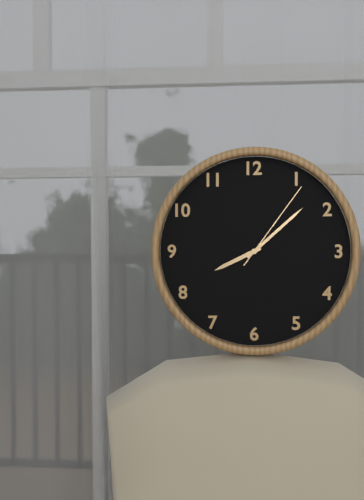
8:08:06
